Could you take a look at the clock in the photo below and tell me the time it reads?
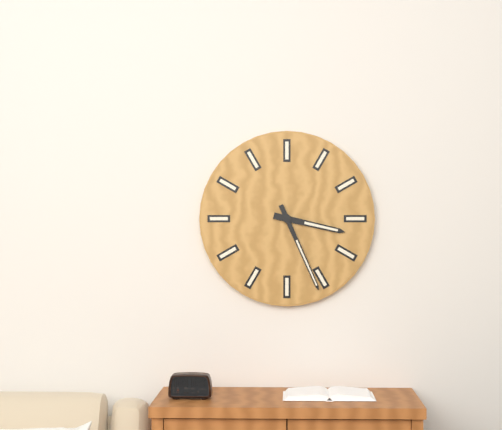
3:26
